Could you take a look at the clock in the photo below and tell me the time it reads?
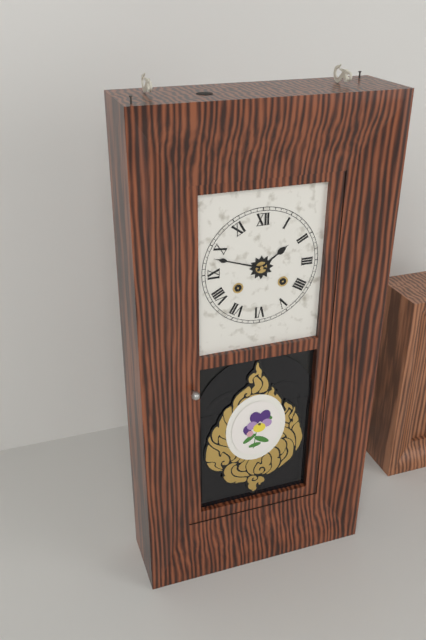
1:48
